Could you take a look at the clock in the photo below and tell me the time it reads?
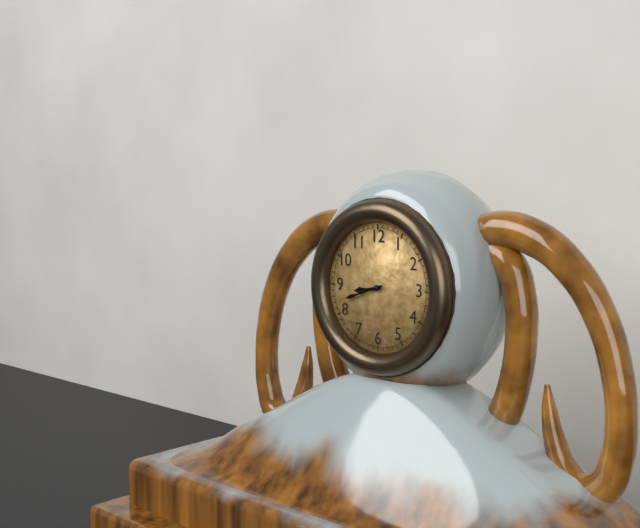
8:42
